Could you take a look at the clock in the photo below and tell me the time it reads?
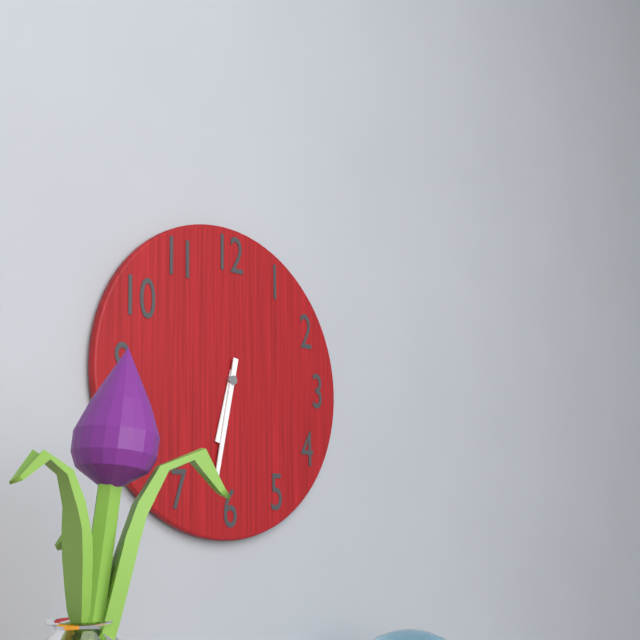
6:32
